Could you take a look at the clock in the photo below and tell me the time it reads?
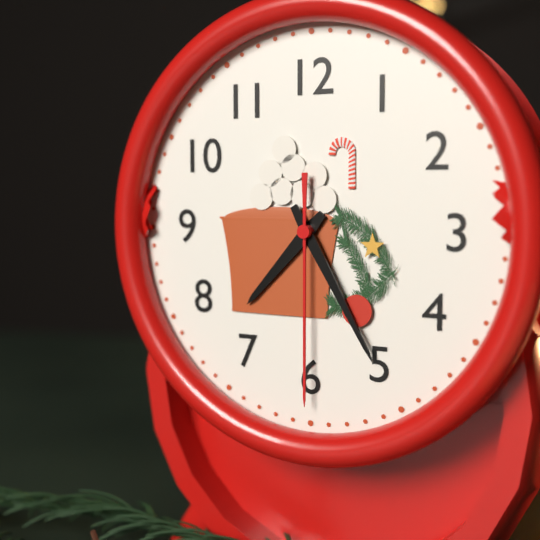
7:25:30
